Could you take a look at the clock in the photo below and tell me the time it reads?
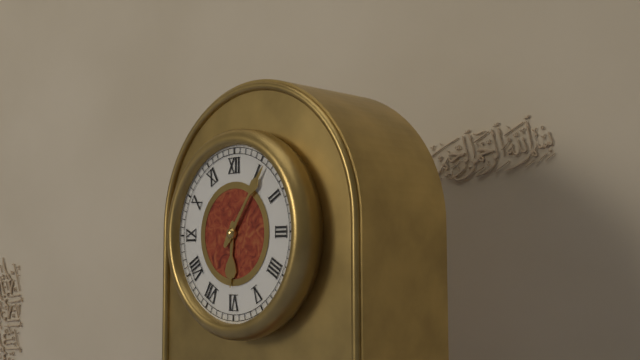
6:06
